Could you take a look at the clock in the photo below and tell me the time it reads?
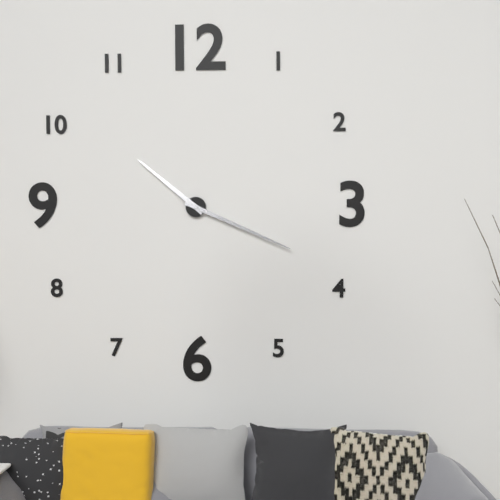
10:19
